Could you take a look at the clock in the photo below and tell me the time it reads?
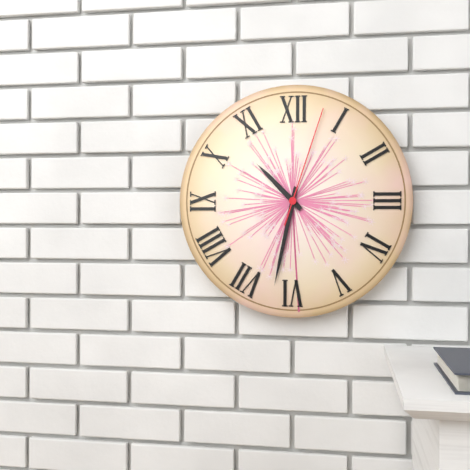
10:32:03
